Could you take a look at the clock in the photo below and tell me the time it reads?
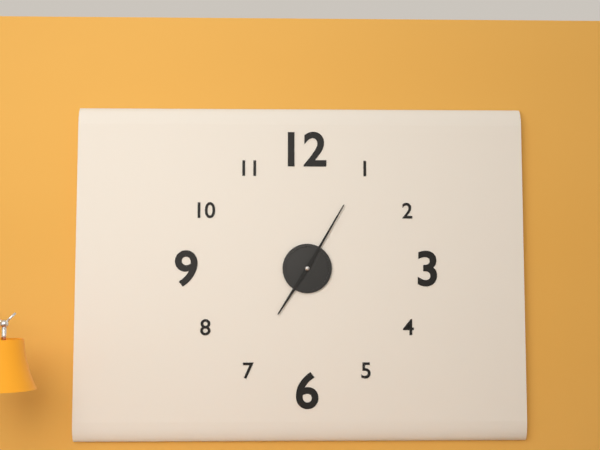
7:05
